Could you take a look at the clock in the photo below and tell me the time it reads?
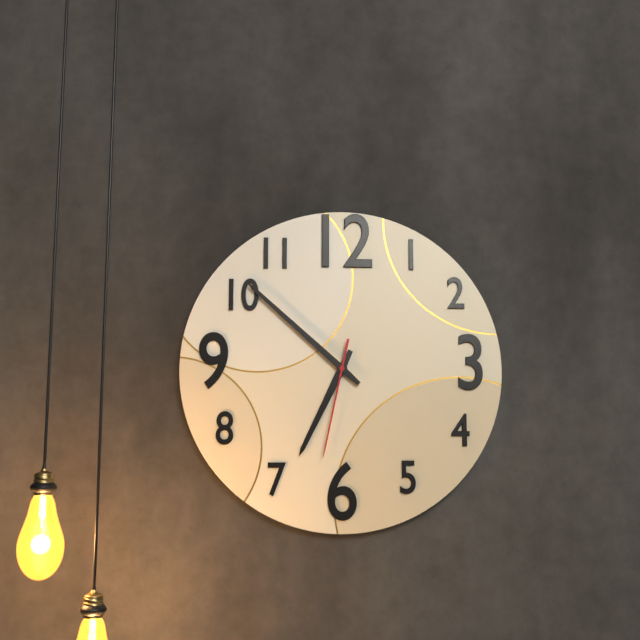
6:52:32
